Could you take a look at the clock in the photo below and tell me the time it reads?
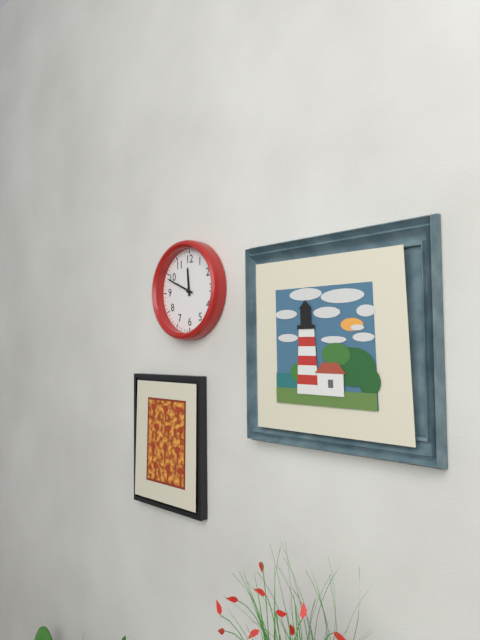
11:49
